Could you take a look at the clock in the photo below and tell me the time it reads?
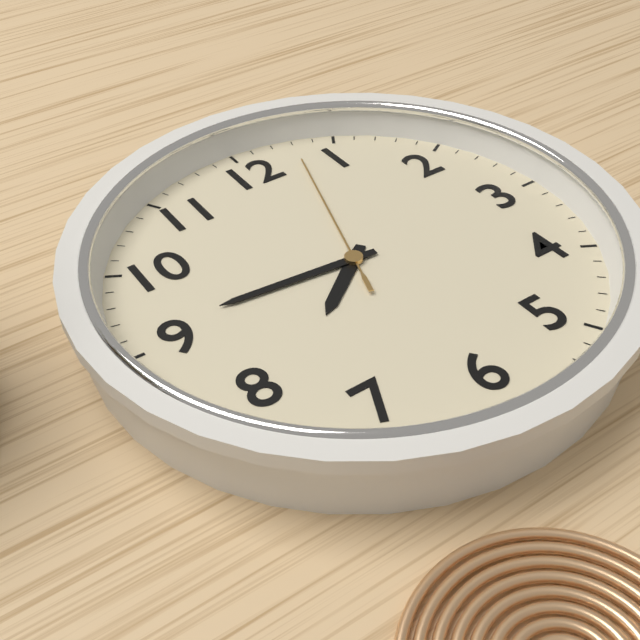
7:46:03
